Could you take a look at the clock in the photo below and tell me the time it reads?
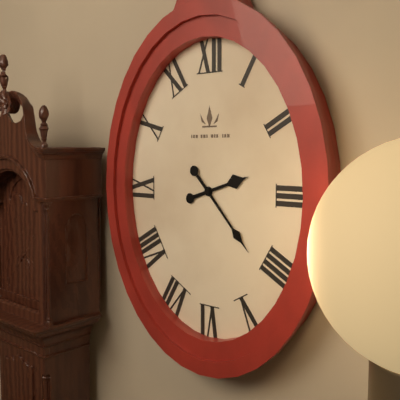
2:23
